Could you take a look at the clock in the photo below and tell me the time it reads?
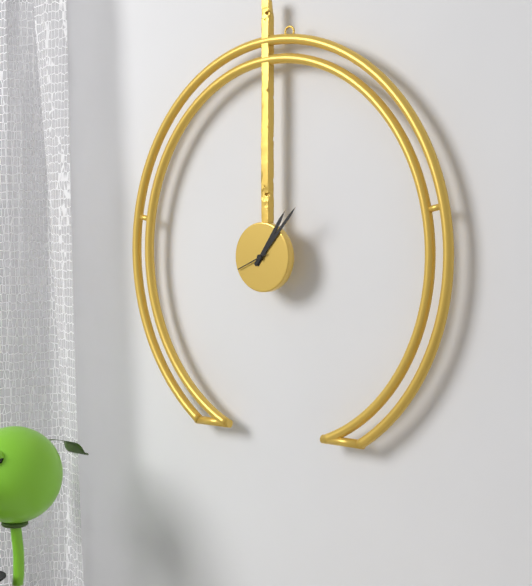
1:07
